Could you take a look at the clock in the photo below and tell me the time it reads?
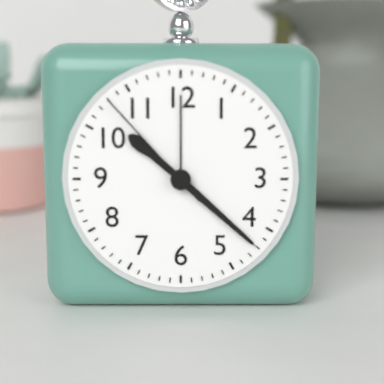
10:22:53
